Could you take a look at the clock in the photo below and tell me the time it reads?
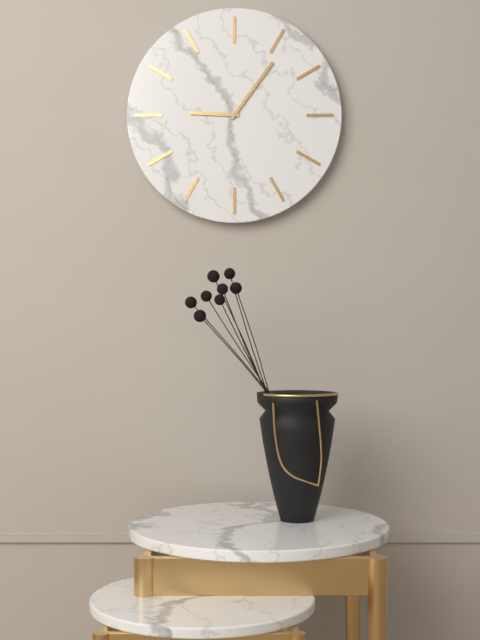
9:06
